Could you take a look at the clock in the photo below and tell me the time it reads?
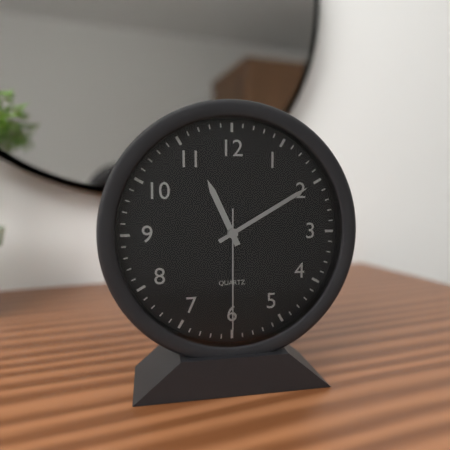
11:10:30
